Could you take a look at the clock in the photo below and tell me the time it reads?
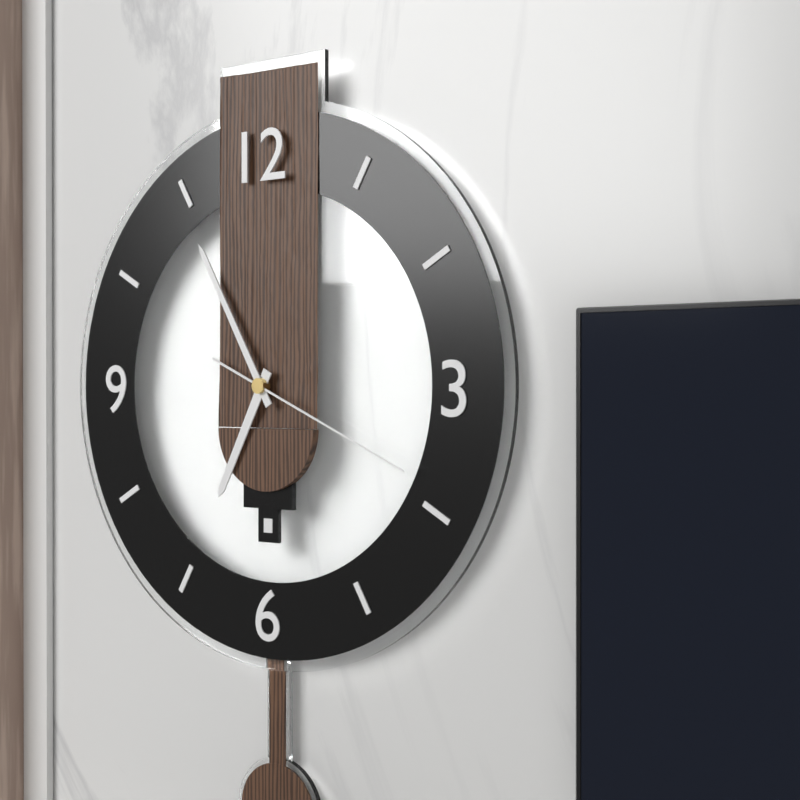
6:55:19
